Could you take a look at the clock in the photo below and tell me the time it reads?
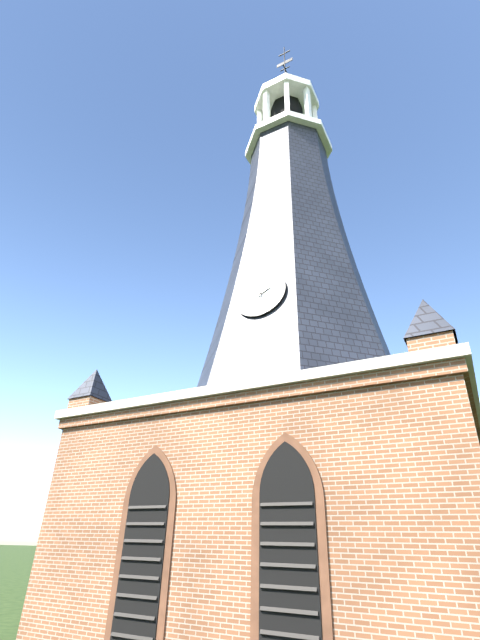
1:58
